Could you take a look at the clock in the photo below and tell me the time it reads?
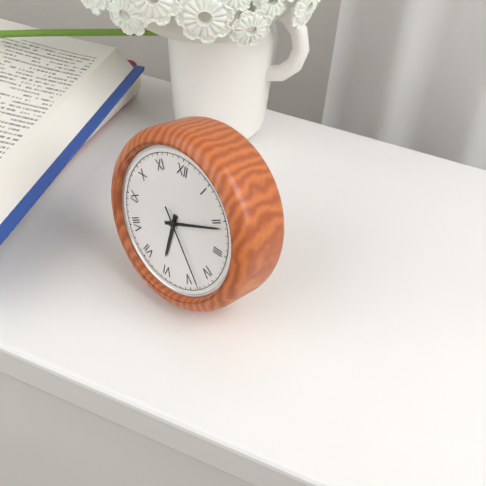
6:11:23
